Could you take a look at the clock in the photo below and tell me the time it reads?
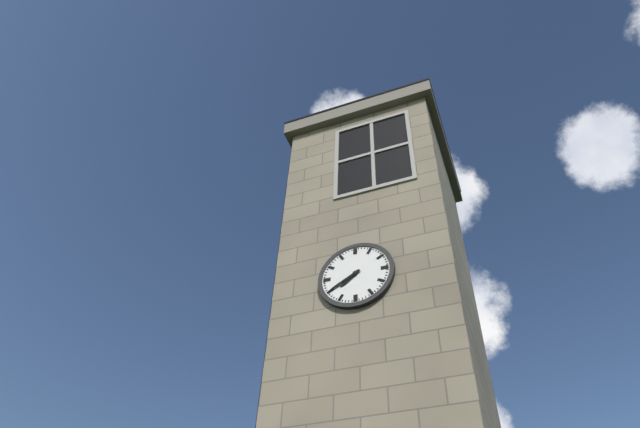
7:40
